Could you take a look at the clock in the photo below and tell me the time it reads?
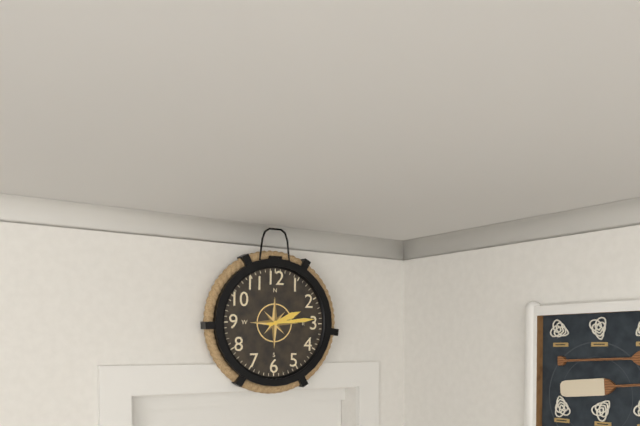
2:14
